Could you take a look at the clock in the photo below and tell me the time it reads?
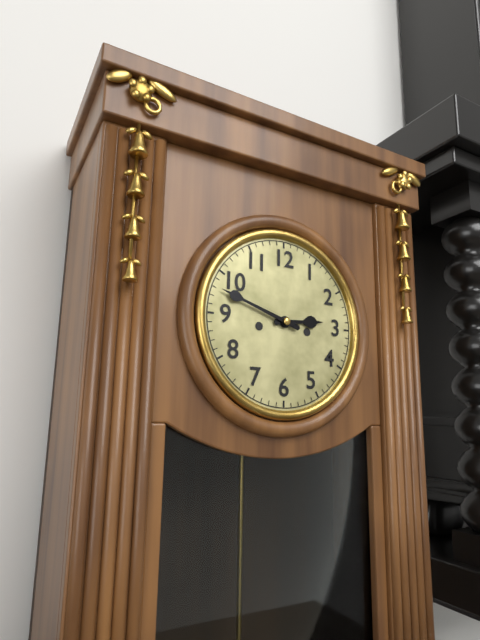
2:48
